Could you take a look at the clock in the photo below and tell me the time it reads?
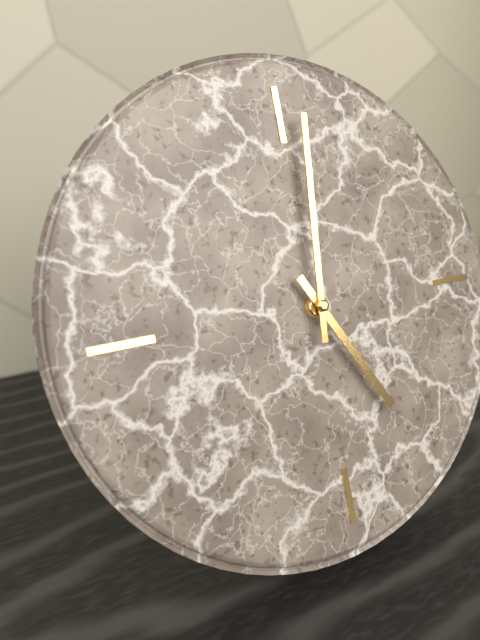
5:01
